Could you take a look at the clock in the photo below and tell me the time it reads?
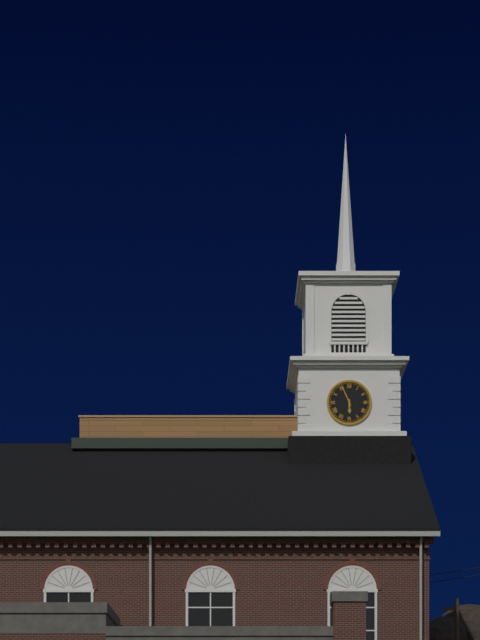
5:56
